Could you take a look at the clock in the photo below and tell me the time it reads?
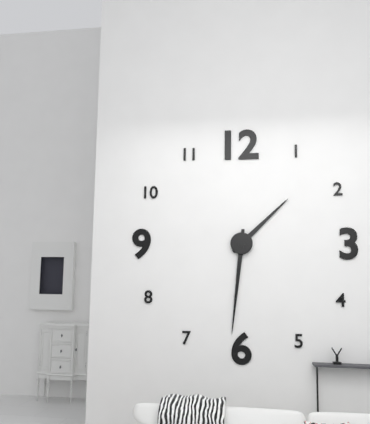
1:31
